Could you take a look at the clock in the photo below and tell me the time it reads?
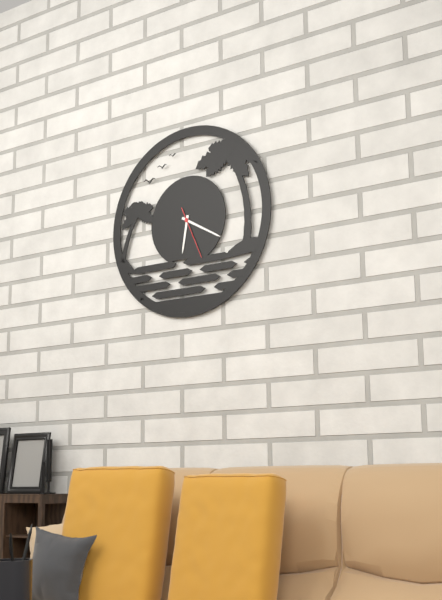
6:20
